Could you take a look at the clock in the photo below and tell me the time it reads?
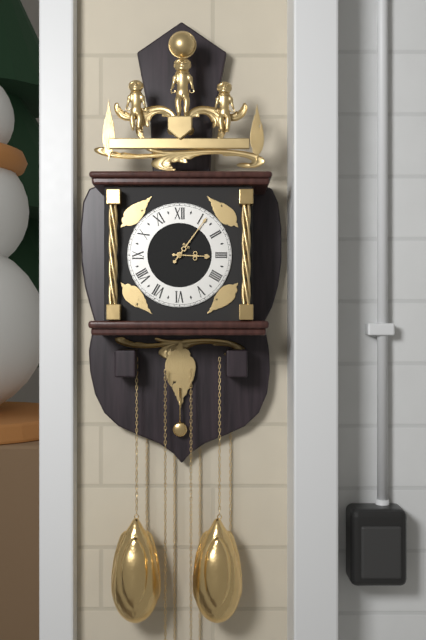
3:06
